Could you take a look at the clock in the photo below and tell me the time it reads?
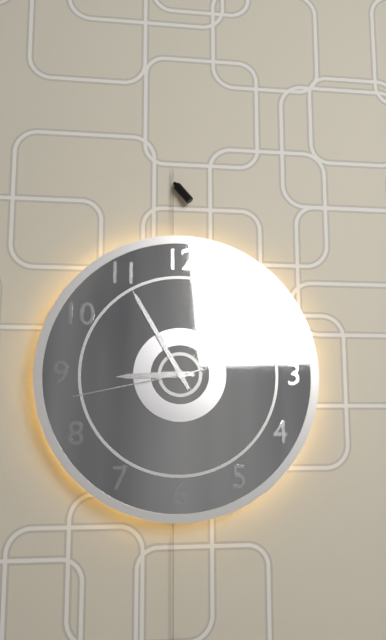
8:55:43
